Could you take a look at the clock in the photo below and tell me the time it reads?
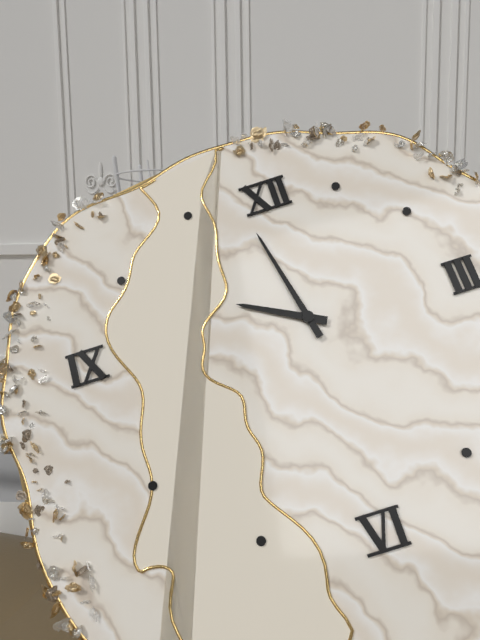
9:58
